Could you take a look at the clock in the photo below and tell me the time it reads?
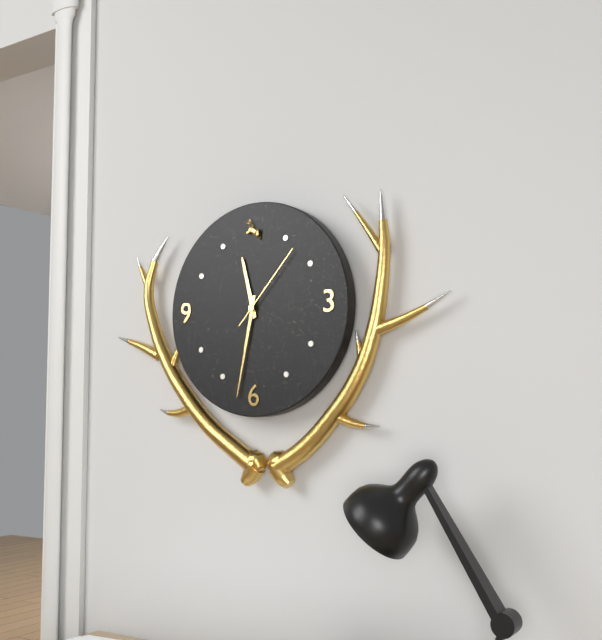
11:32:07
